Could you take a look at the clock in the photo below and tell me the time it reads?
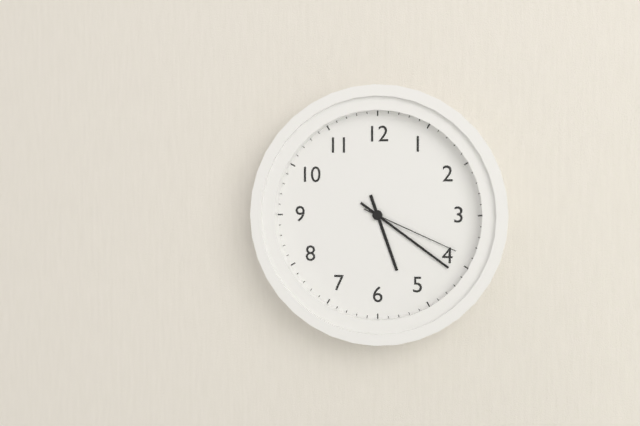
5:21:19
